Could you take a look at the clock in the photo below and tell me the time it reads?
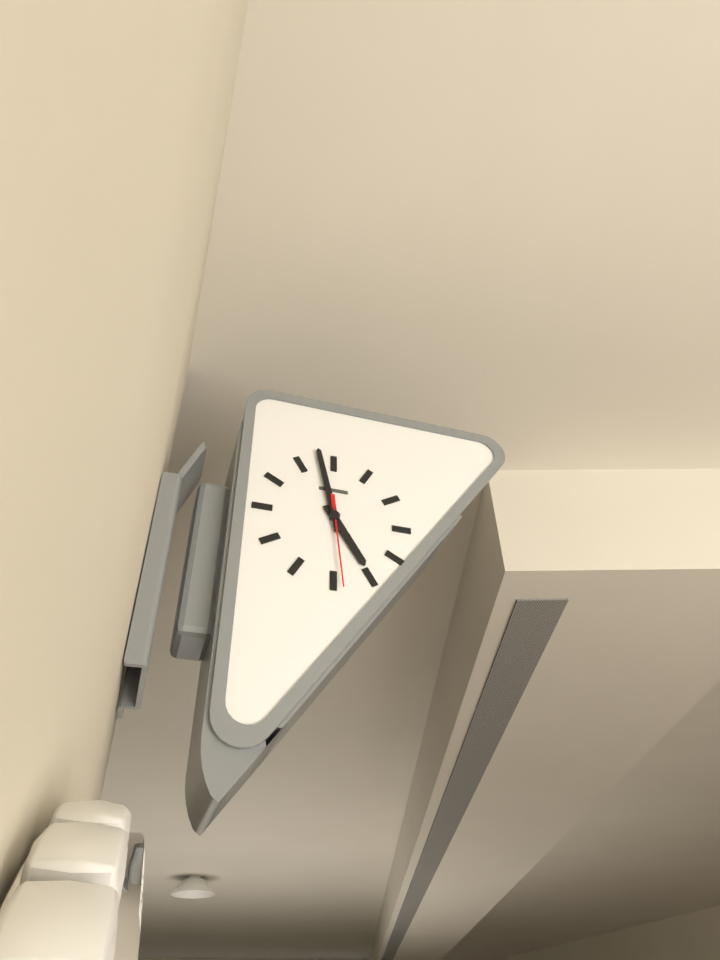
4:58:29
